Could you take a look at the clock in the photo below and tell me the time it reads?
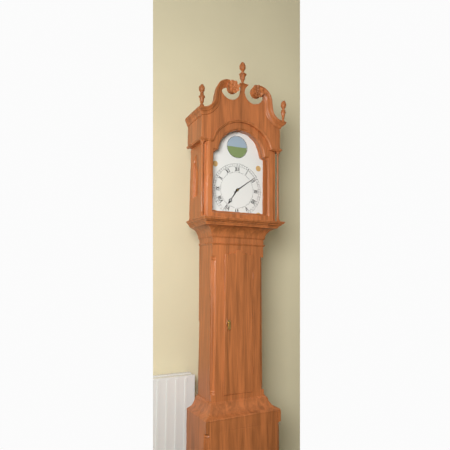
7:09
